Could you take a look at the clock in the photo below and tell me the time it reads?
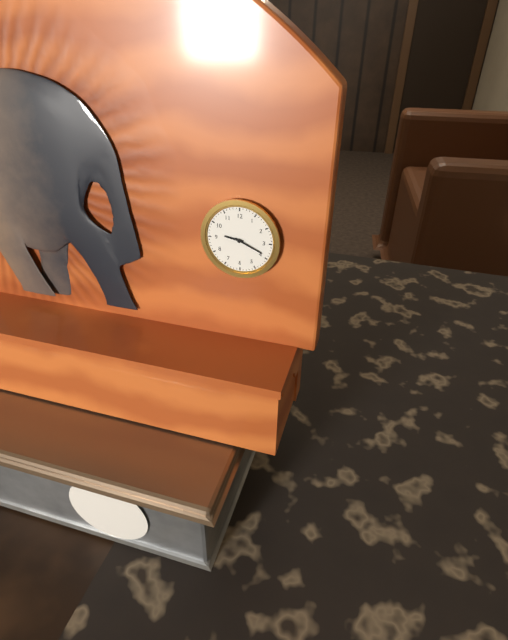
9:19
